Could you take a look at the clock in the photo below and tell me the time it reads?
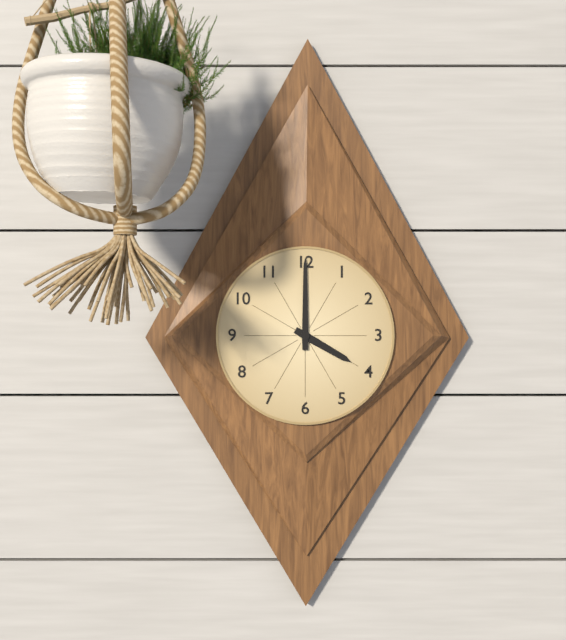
4:00
